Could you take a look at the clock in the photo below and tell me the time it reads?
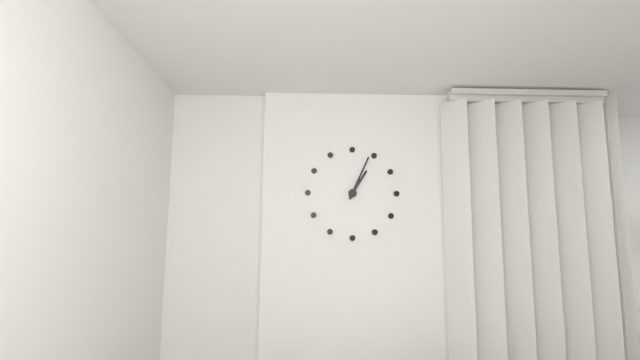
1:04
